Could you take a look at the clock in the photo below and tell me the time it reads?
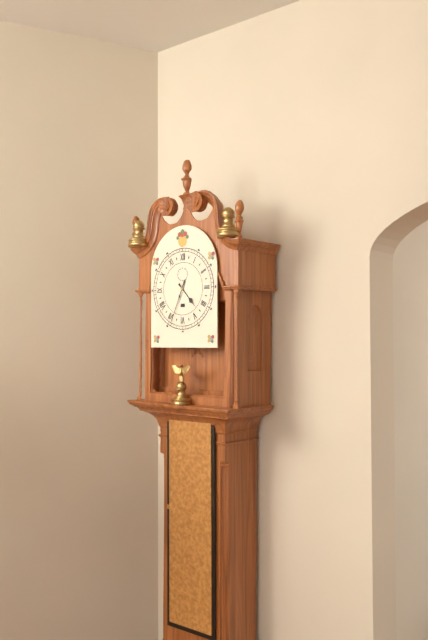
4:34
